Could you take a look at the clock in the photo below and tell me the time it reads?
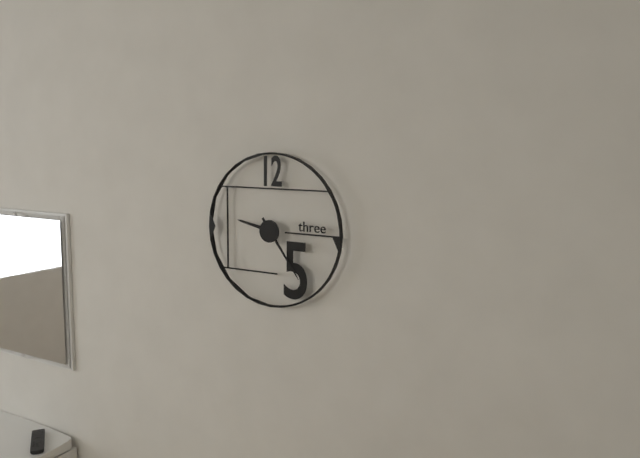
9:24
